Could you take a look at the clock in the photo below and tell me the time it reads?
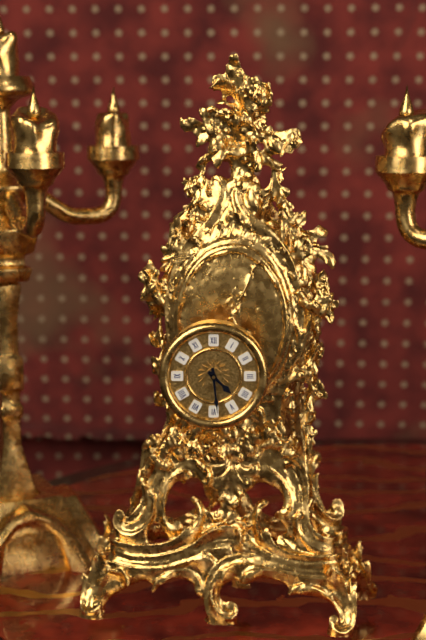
4:29
